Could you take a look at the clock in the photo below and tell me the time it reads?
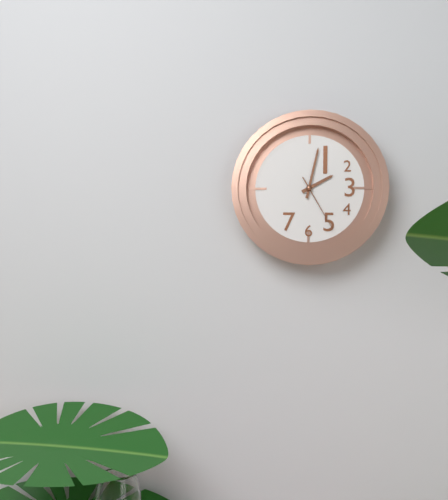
2:02:25
